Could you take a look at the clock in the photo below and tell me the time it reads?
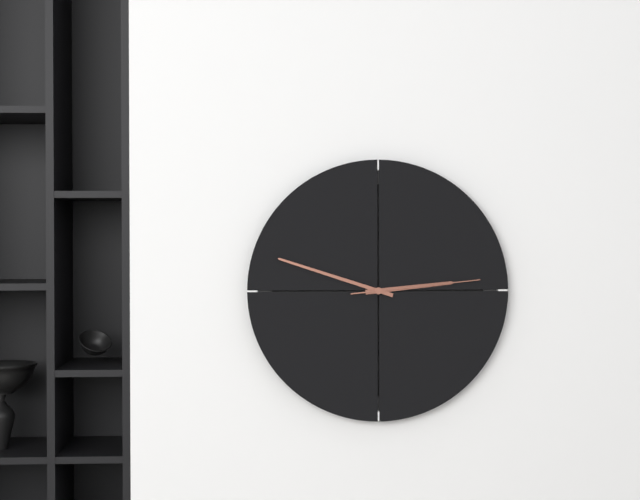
2:48:14
